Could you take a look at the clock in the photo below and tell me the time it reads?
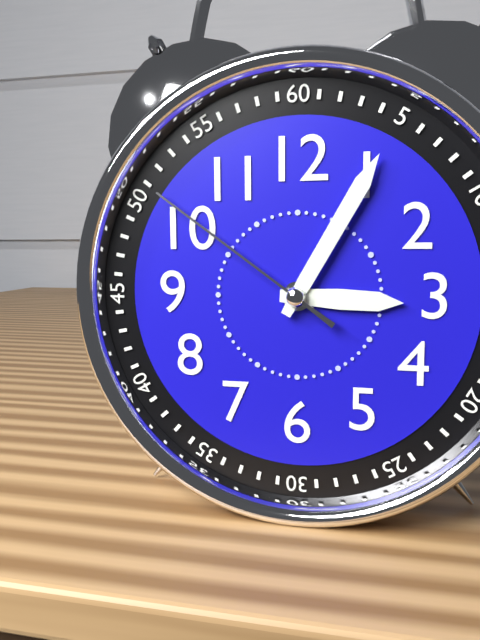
3:05:51
